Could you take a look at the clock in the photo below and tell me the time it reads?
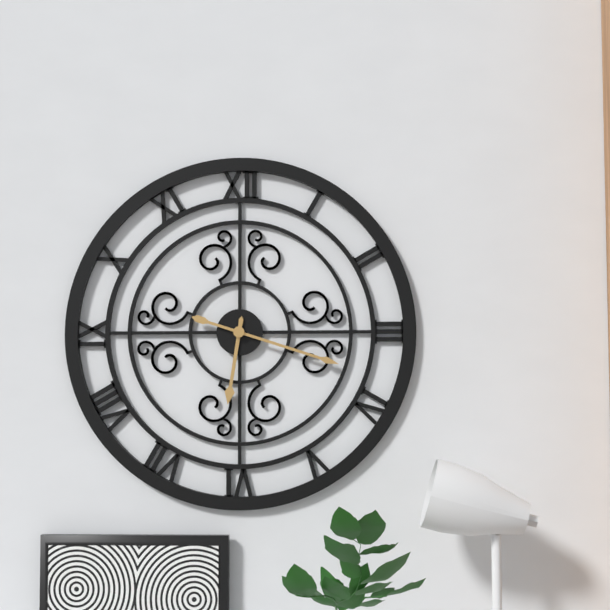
6:18
